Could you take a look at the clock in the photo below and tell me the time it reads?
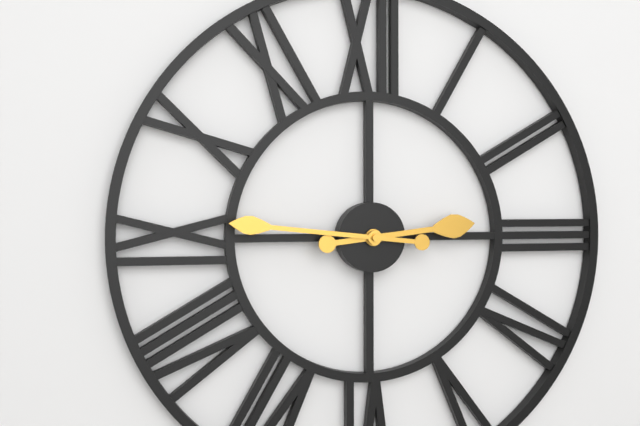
2:46
